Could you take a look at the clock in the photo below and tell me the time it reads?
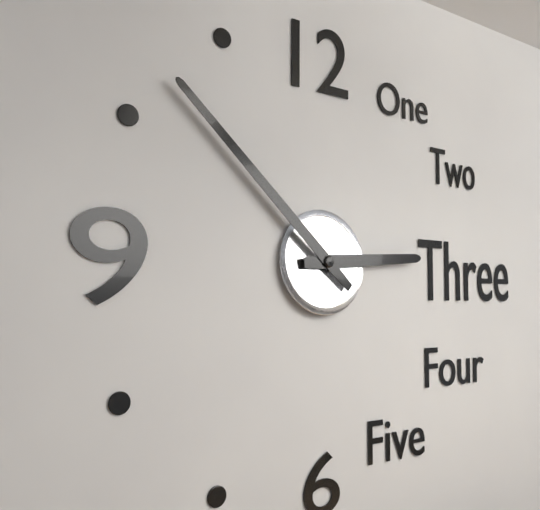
2:52
